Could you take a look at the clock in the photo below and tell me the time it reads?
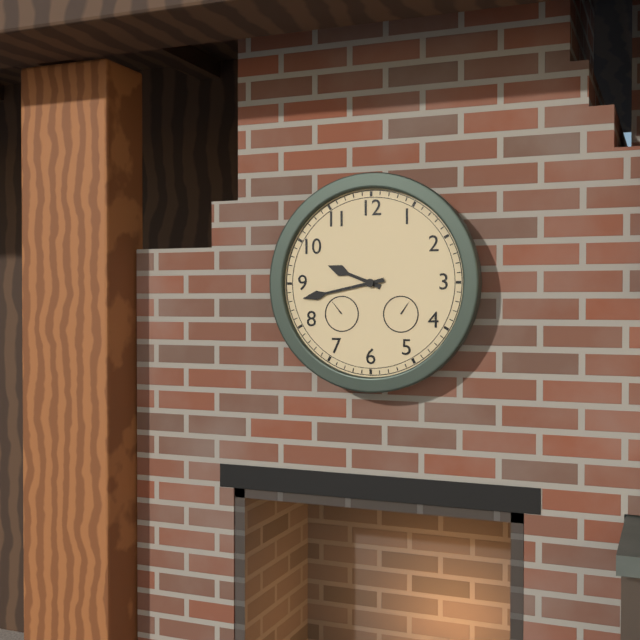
9:43
